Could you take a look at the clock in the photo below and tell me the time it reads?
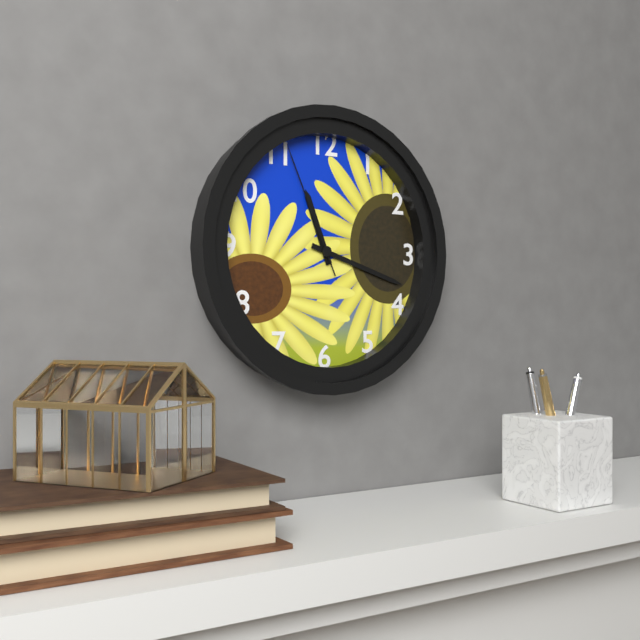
11:18:56
